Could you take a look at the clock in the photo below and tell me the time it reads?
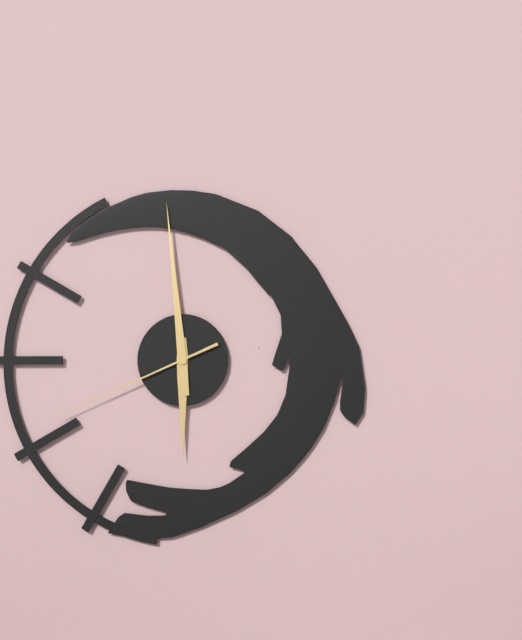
5:59:41
